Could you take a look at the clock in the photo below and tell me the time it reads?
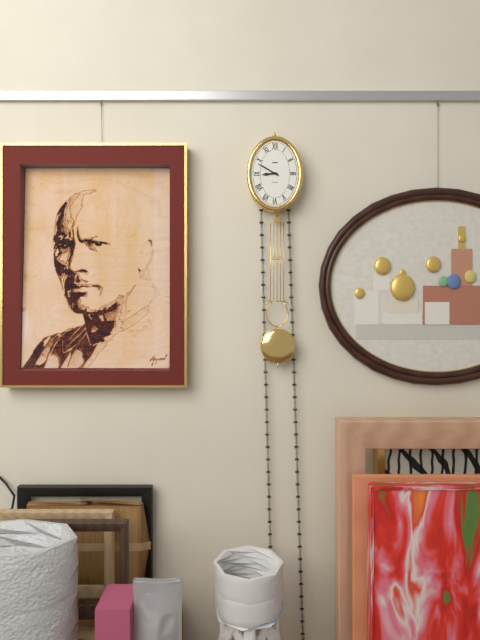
8:50
